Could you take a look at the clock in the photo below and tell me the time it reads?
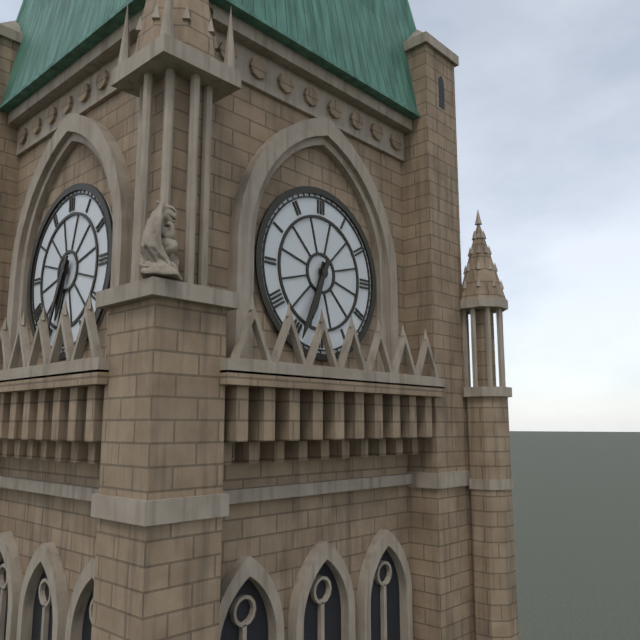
6:34
